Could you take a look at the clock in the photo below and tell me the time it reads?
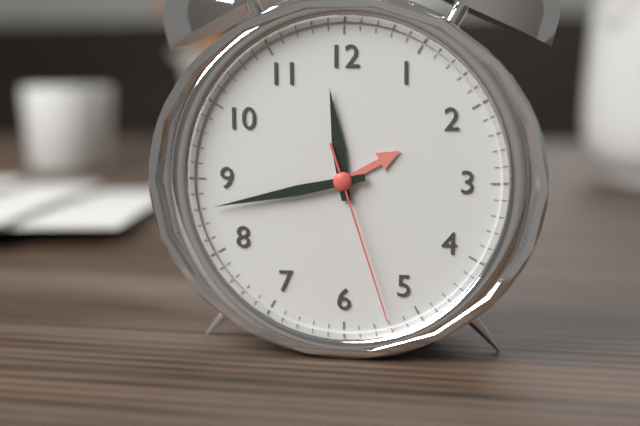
11:43:27
